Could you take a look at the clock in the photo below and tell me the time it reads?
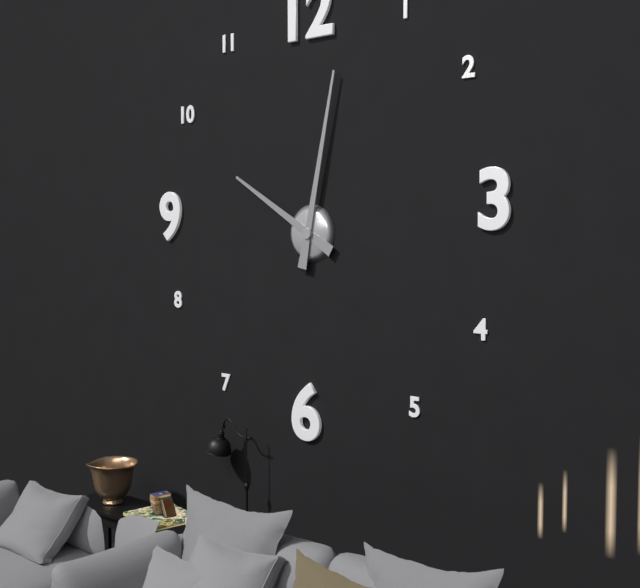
10:02
